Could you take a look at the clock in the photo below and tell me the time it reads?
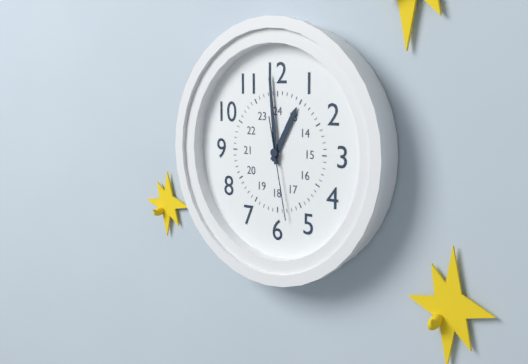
12:59:28
